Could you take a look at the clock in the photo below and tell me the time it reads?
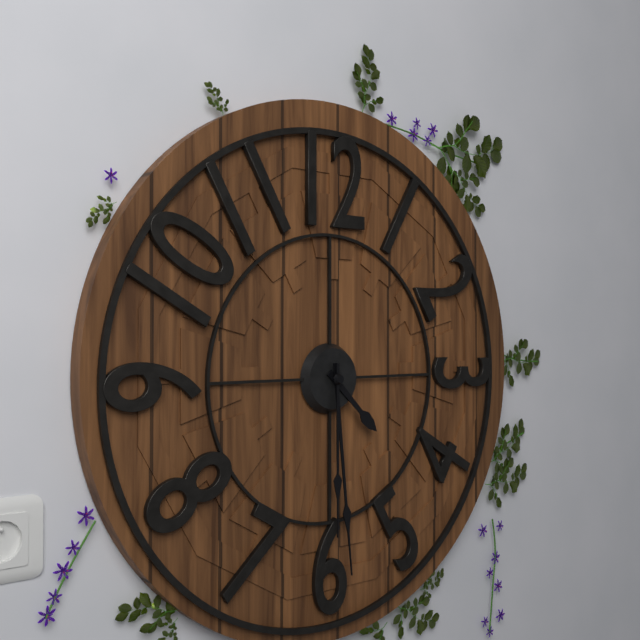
4:29:30
